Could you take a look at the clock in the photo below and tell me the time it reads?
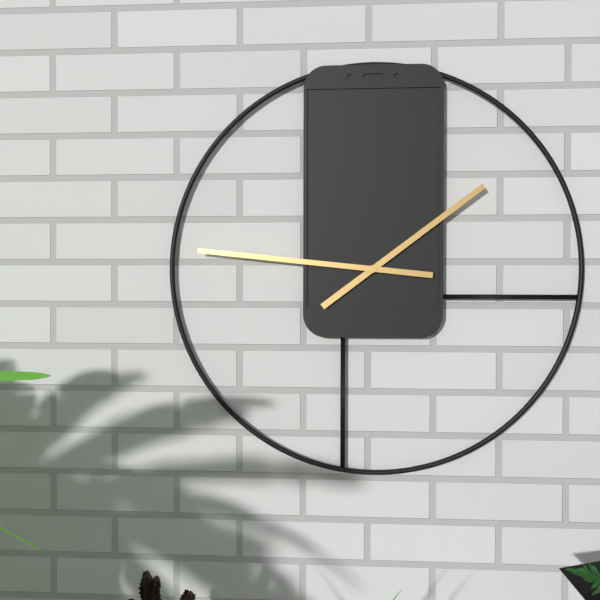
1:46
